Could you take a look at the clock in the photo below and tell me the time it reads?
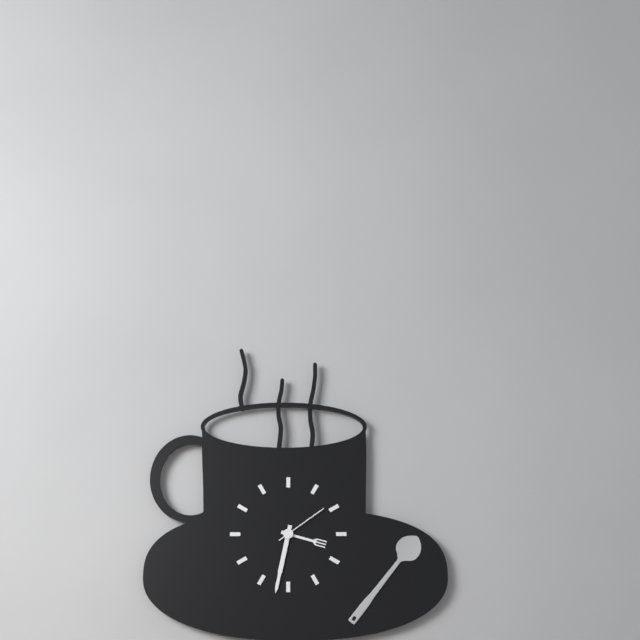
3:32:09
